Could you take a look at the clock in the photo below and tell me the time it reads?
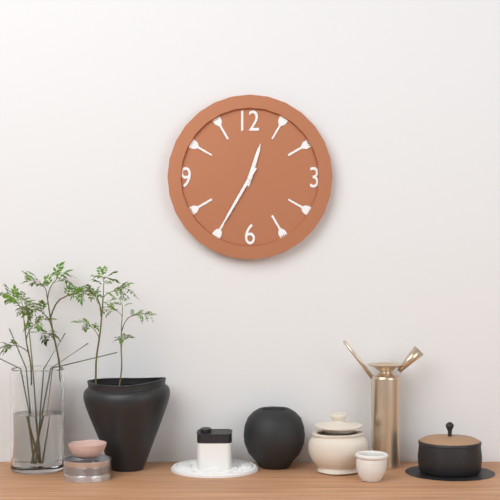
12:35
